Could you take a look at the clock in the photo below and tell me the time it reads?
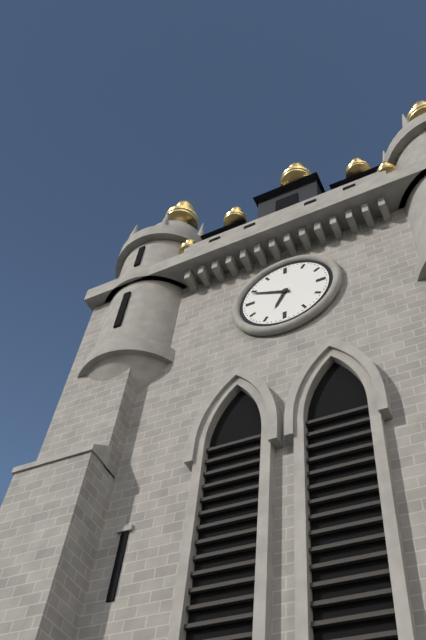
6:49
